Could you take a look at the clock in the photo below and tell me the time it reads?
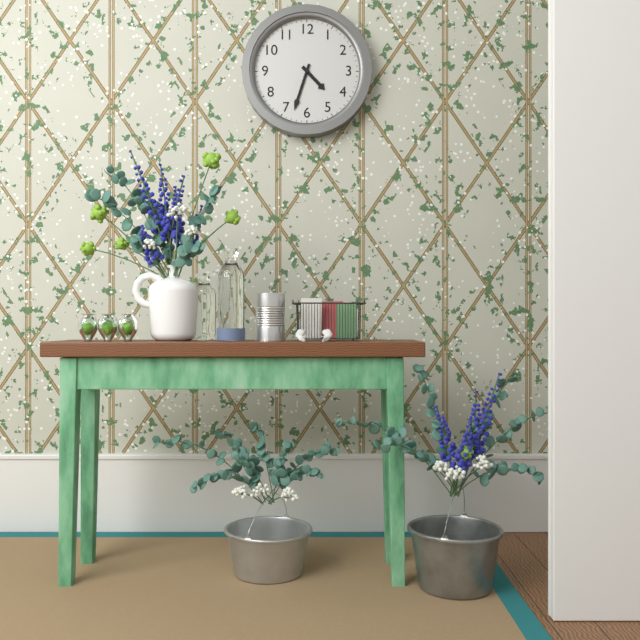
4:33
